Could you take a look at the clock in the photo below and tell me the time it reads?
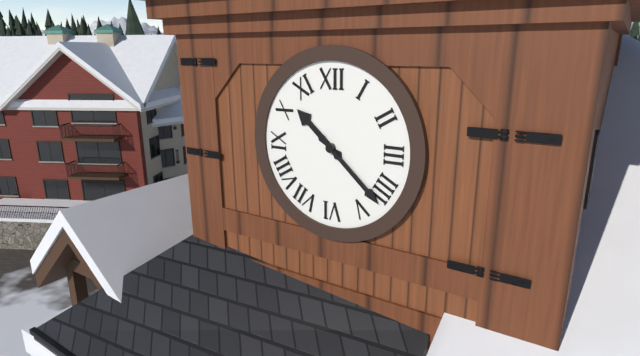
10:22
